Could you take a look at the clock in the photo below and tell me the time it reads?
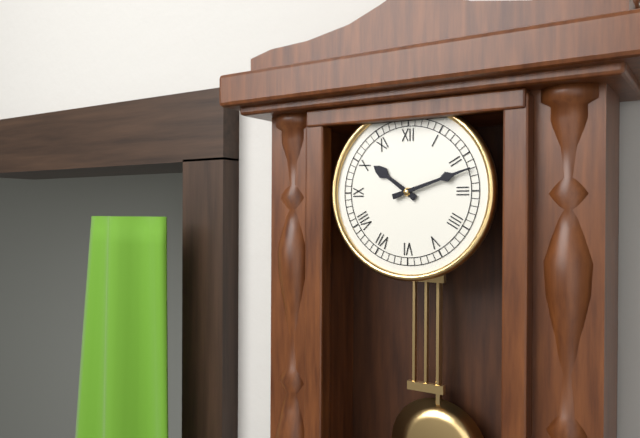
10:12
